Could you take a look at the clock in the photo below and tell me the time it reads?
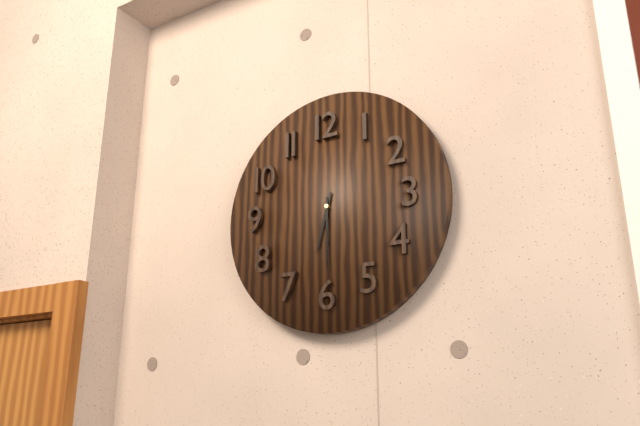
6:30
